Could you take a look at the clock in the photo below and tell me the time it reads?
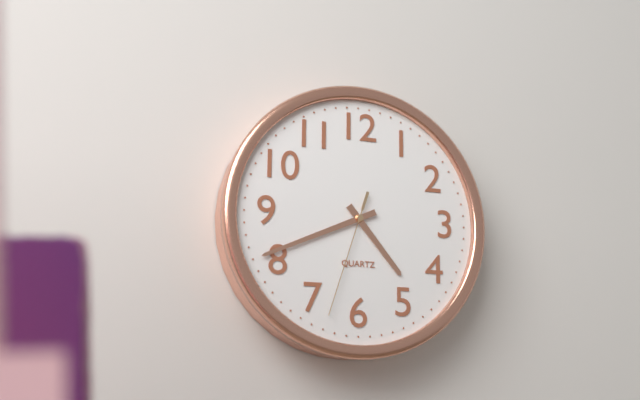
4:41:33
